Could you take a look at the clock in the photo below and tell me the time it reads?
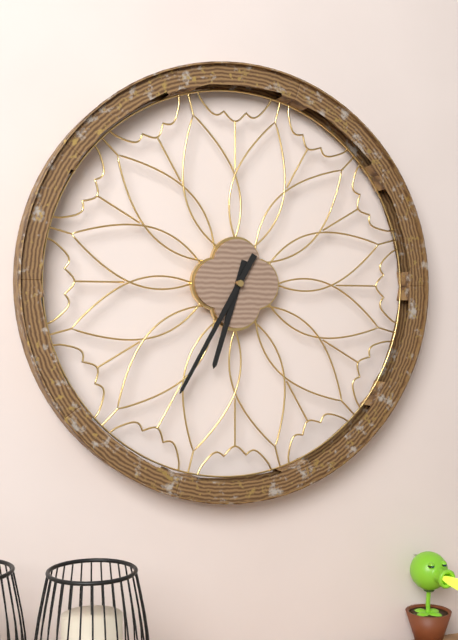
6:35
